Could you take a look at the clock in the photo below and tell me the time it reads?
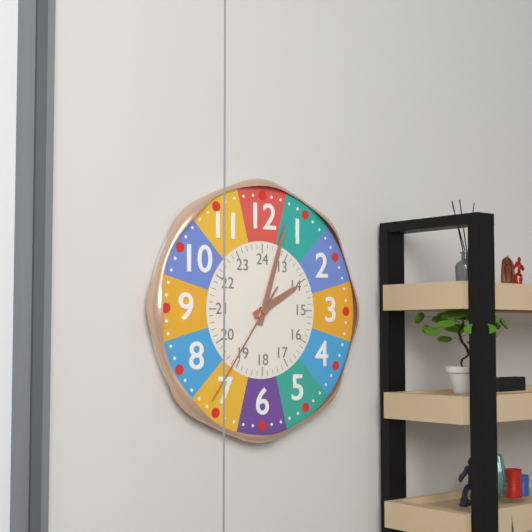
2:03:36
